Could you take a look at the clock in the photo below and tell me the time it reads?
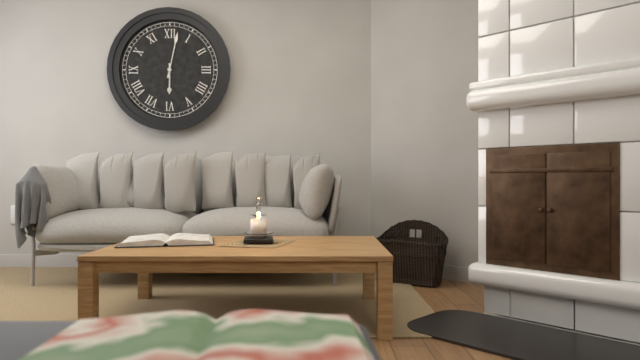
6:02
